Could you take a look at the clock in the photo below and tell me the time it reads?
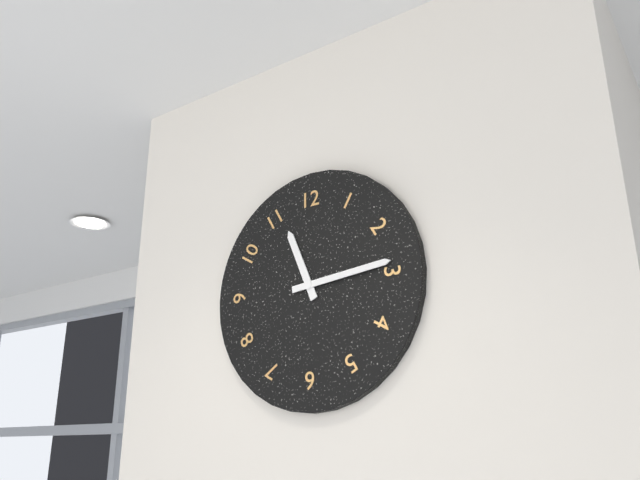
11:14
